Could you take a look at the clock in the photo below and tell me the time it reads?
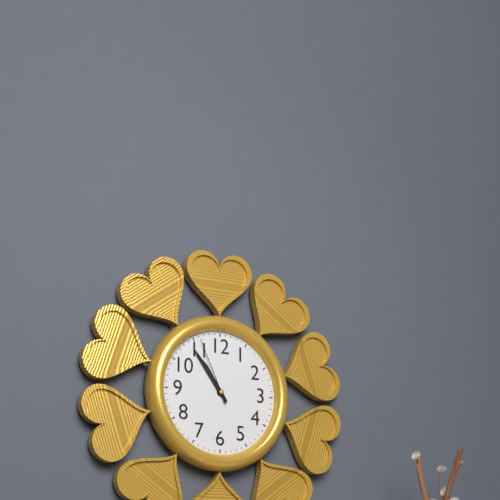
10:54:56
